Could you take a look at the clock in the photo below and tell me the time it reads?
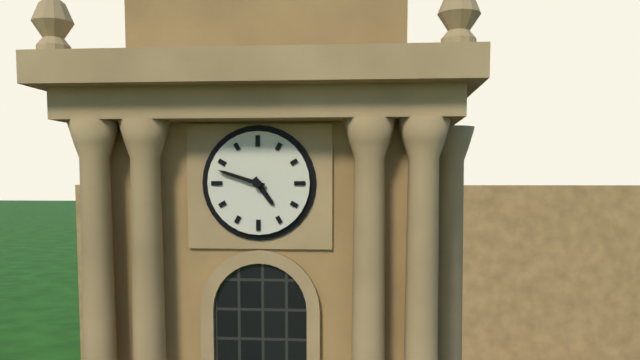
4:48
